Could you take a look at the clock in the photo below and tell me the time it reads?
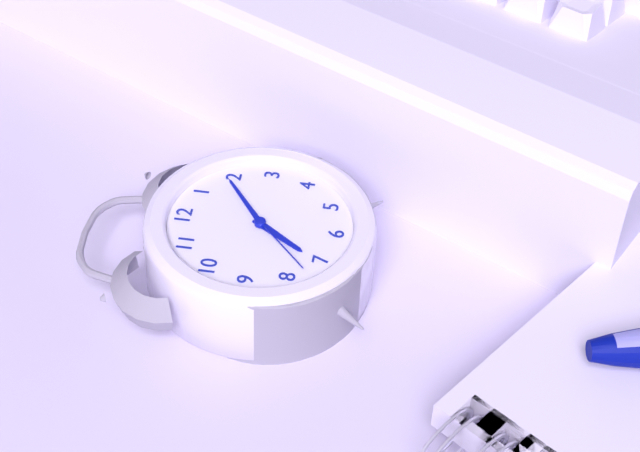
7:09:38
